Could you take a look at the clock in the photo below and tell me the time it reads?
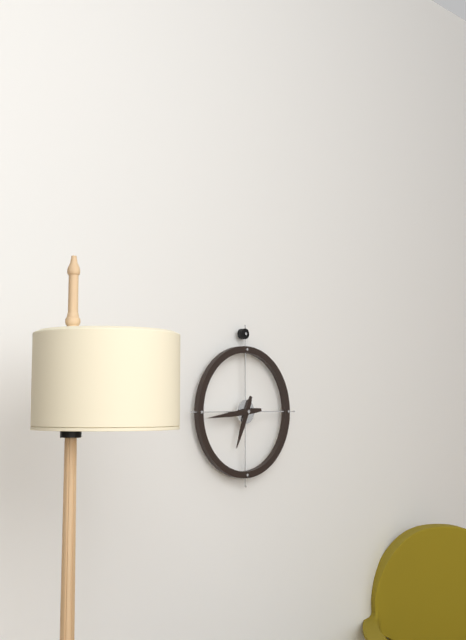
6:44
